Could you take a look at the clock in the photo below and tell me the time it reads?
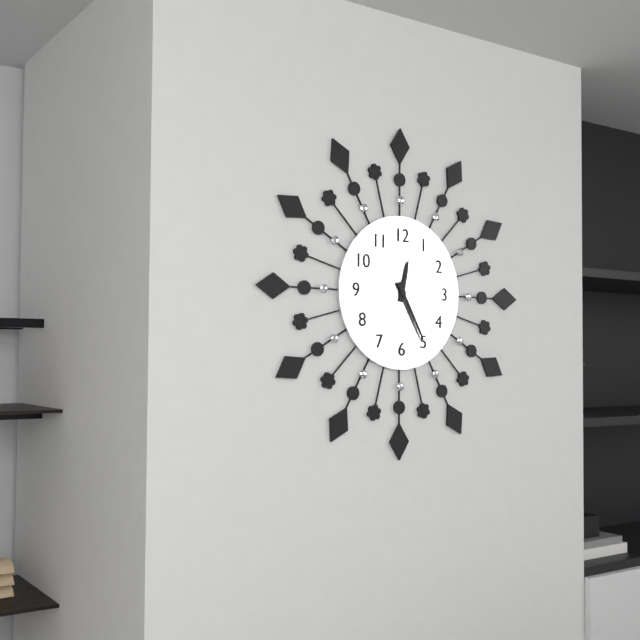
12:25
